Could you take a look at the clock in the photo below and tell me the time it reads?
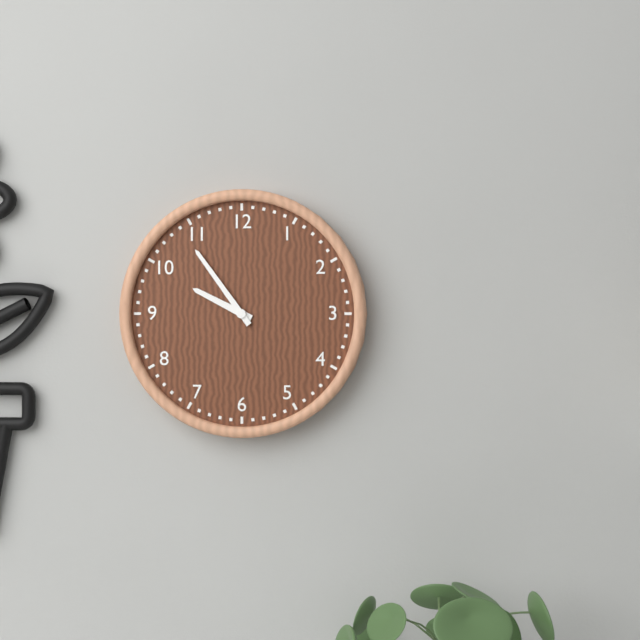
9:54
